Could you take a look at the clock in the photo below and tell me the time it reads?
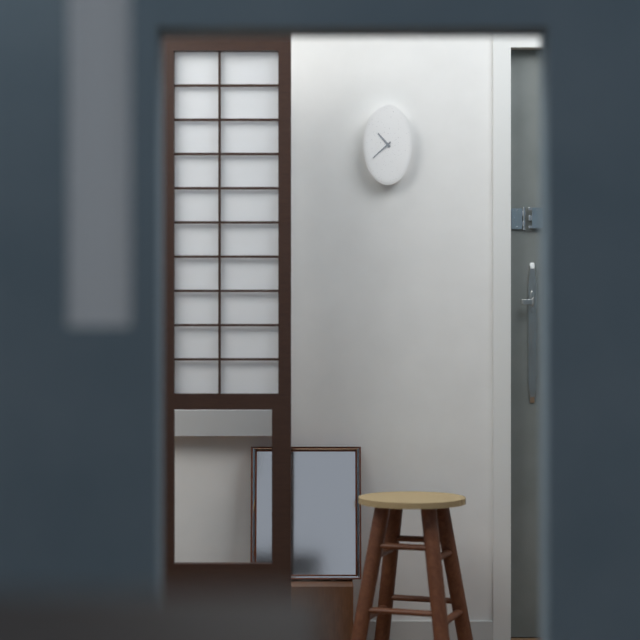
10:38
